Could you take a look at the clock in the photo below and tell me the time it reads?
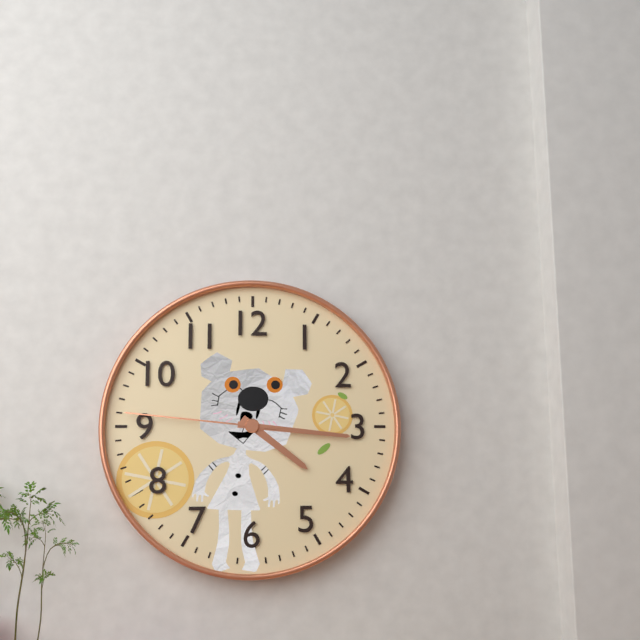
4:16:46
